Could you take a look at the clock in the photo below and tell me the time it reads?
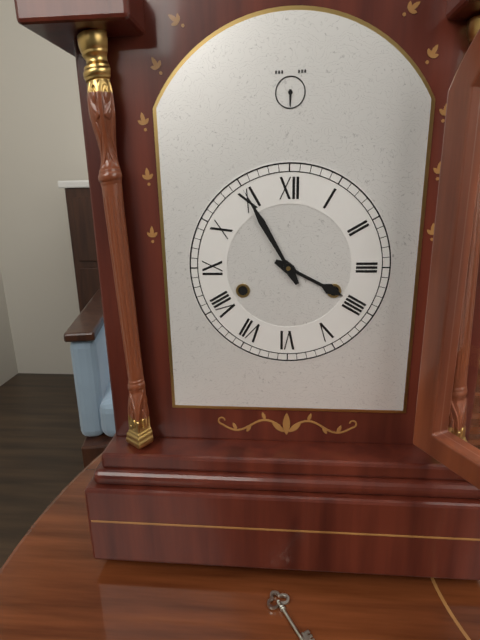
3:55
